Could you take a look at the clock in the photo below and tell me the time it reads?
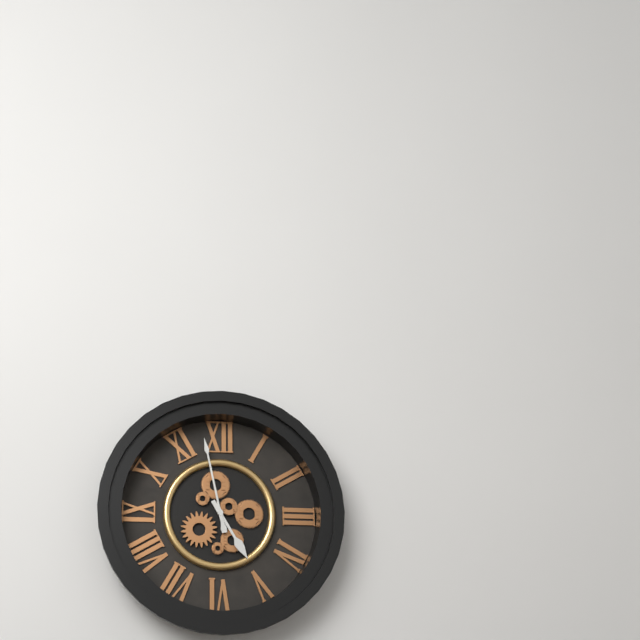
4:58
